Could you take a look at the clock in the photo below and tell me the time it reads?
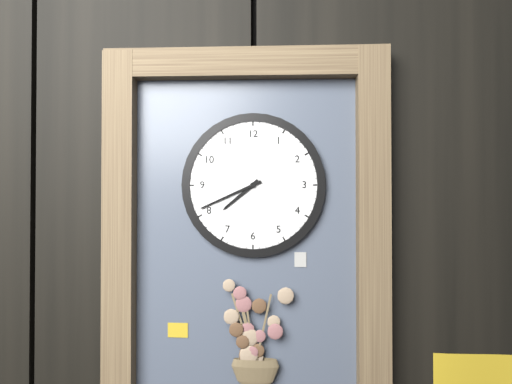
7:41
